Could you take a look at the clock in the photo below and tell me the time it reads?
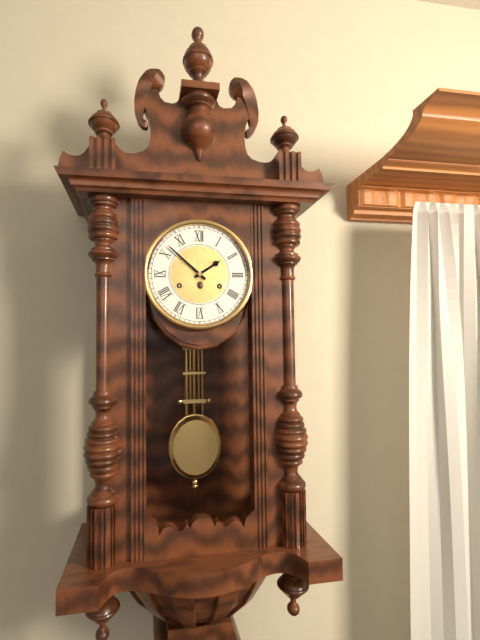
1:52
